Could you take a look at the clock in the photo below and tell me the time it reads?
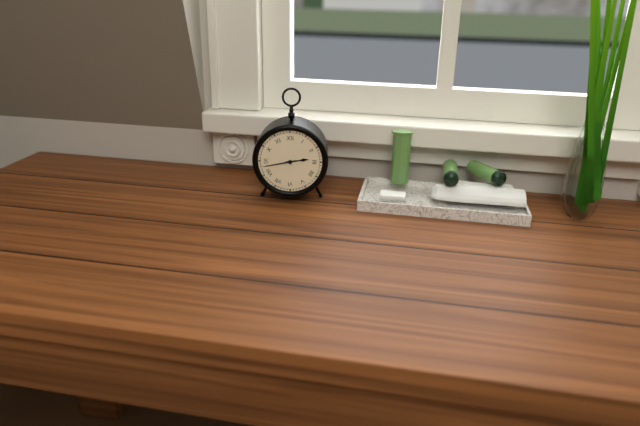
2:43
